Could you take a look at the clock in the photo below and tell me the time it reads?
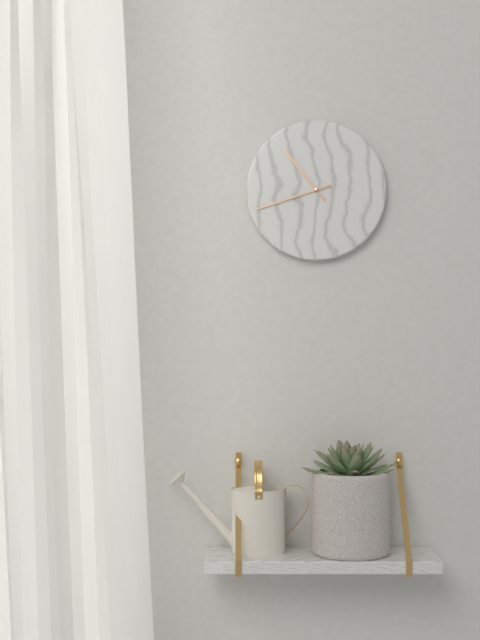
10:42
